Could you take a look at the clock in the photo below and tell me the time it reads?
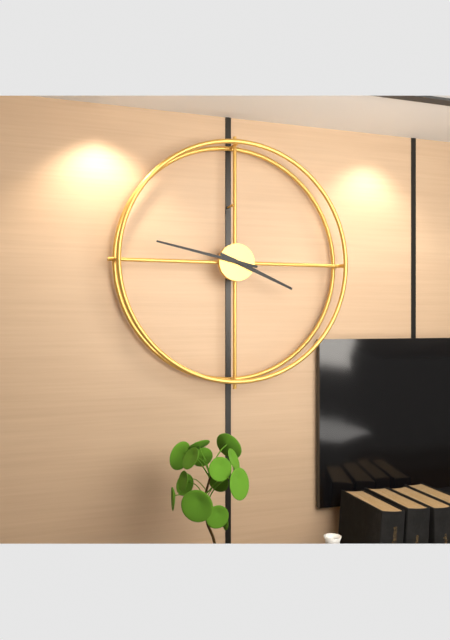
3:47
